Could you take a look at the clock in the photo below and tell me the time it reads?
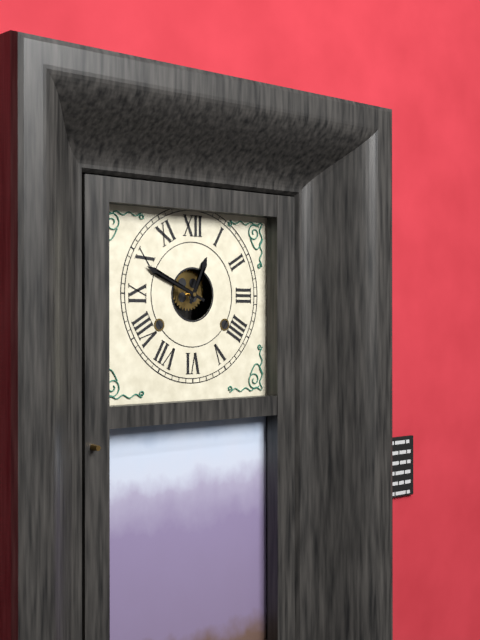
12:49
